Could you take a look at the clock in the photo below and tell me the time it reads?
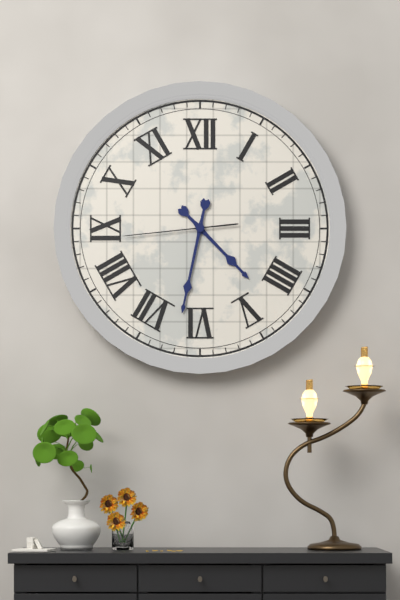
4:32:44
